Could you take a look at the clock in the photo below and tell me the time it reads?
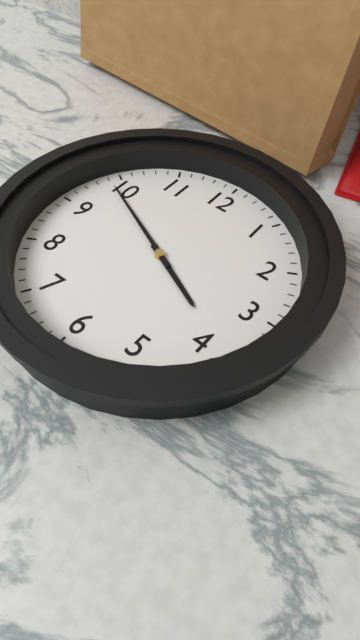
3:49
